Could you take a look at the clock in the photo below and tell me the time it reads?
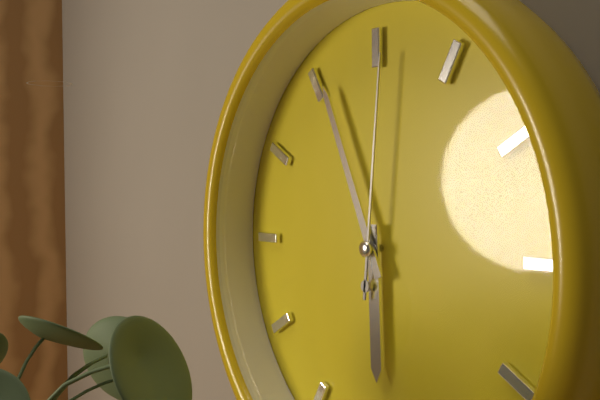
5:56:01
